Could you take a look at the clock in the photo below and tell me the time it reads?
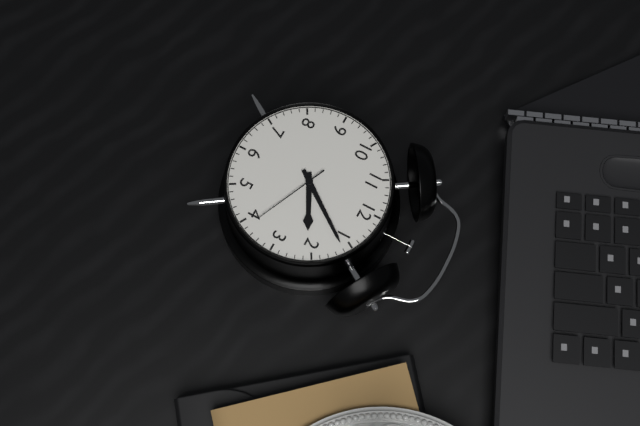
2:06:19
